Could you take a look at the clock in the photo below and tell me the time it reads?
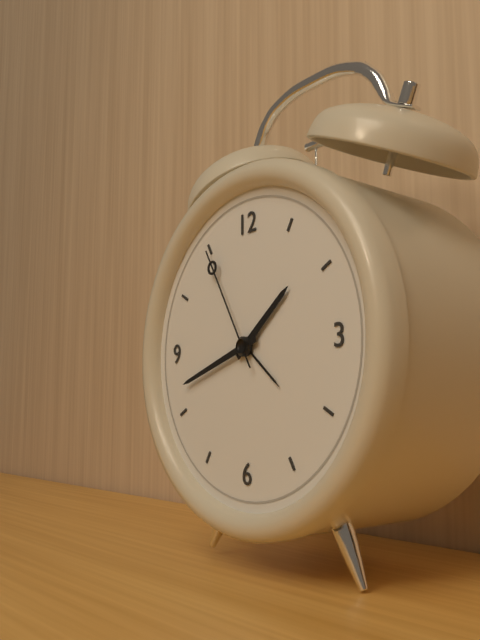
1:42:55
